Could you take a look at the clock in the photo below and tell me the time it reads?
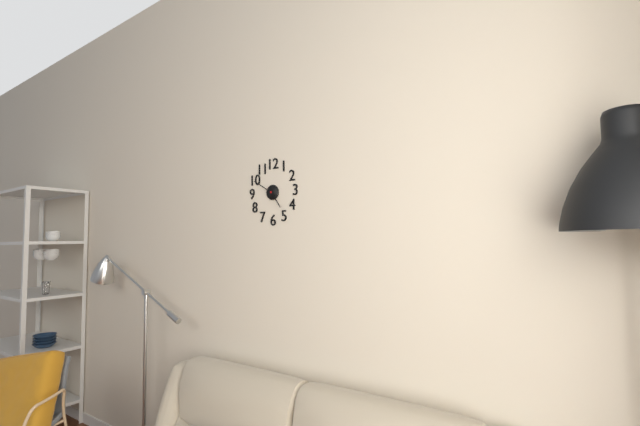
4:50
